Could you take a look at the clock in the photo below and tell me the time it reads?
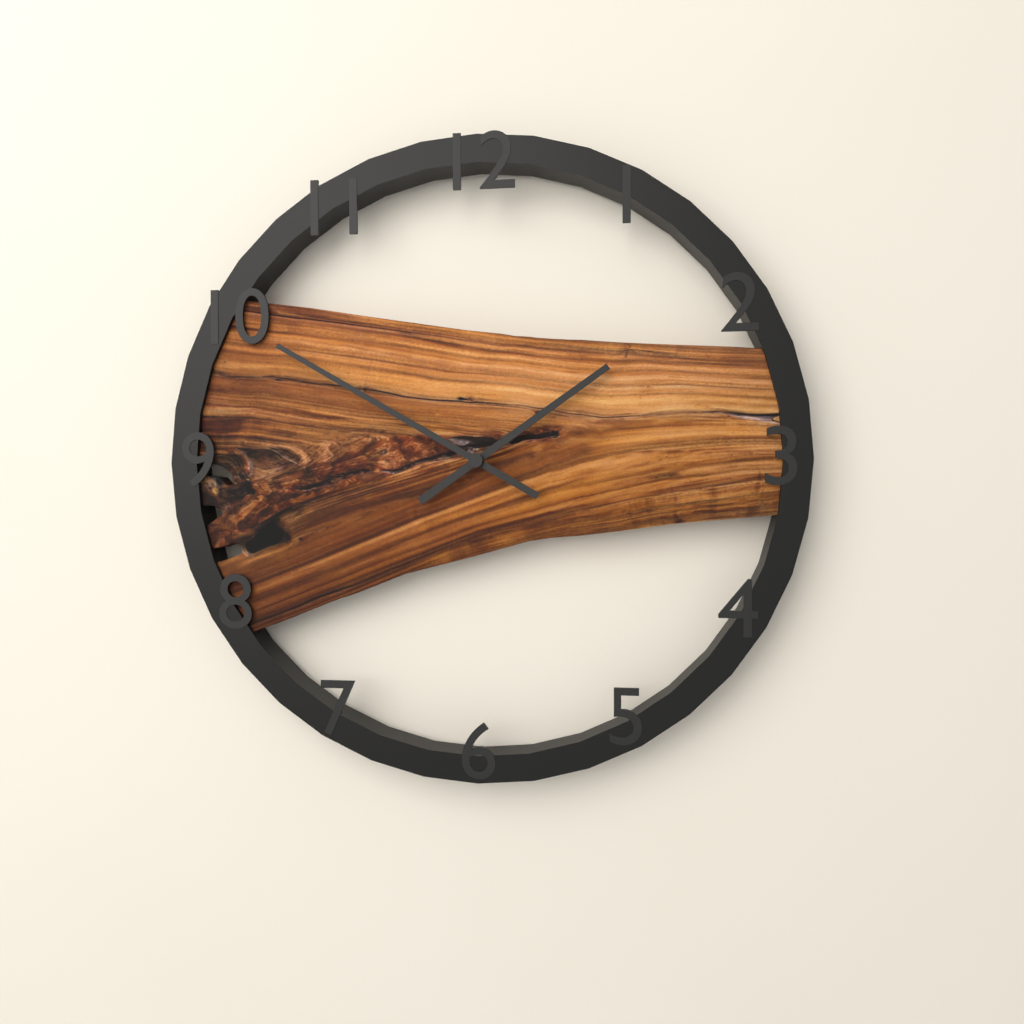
1:50
